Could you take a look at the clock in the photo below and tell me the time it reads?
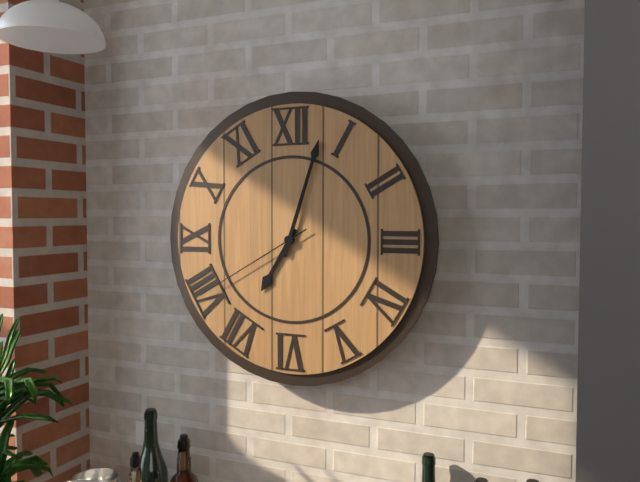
7:03:40
